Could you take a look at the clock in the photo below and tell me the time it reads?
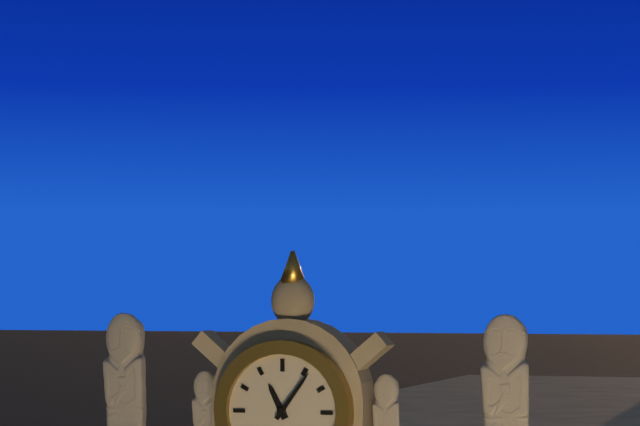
11:06
